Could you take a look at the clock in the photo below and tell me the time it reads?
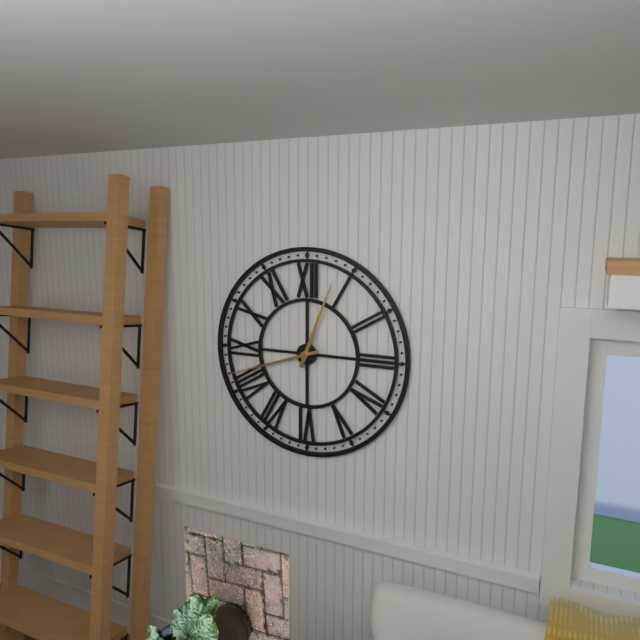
12:42
